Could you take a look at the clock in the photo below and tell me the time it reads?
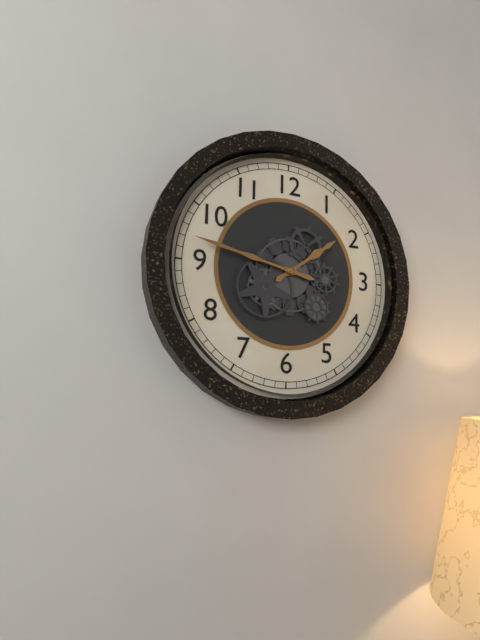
1:47
